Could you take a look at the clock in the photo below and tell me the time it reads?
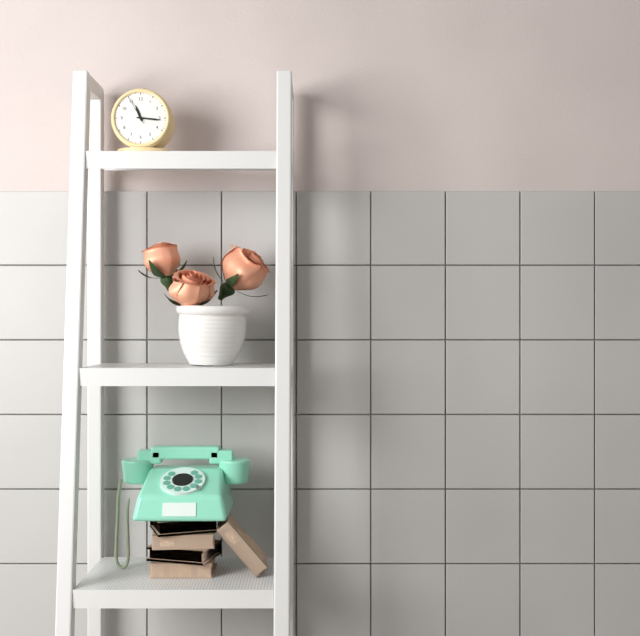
11:16
